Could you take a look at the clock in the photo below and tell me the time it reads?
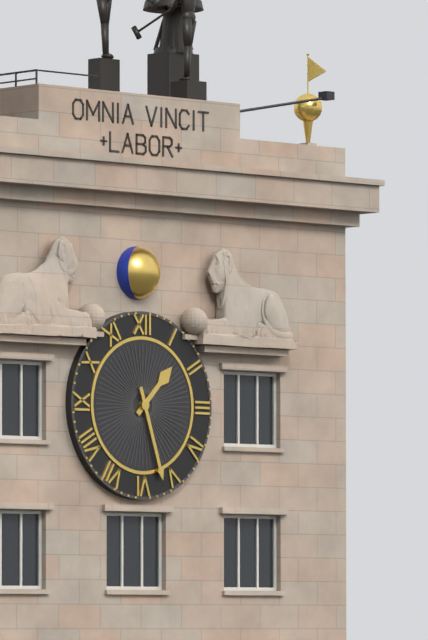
1:27
